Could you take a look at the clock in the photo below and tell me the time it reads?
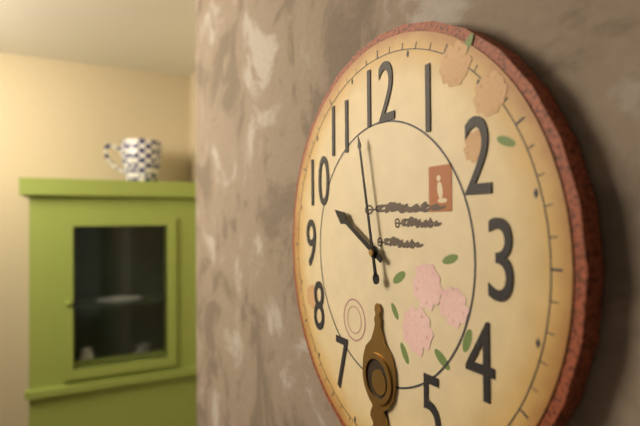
9:58
